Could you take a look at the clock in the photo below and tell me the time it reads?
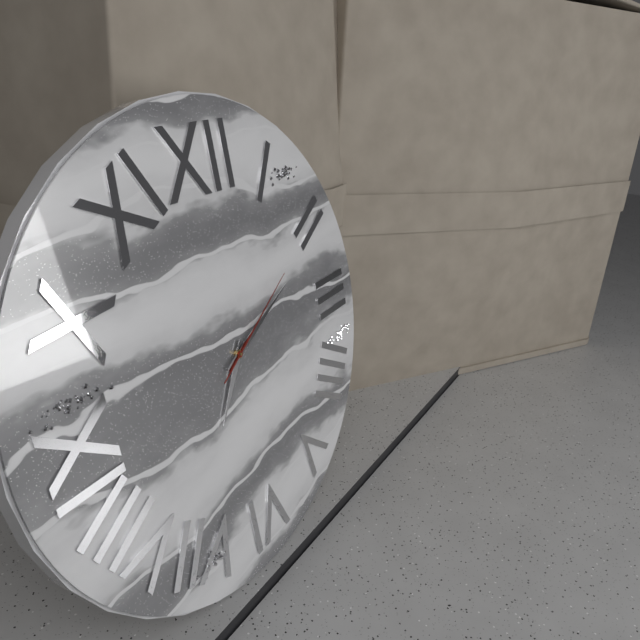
7:11:10
